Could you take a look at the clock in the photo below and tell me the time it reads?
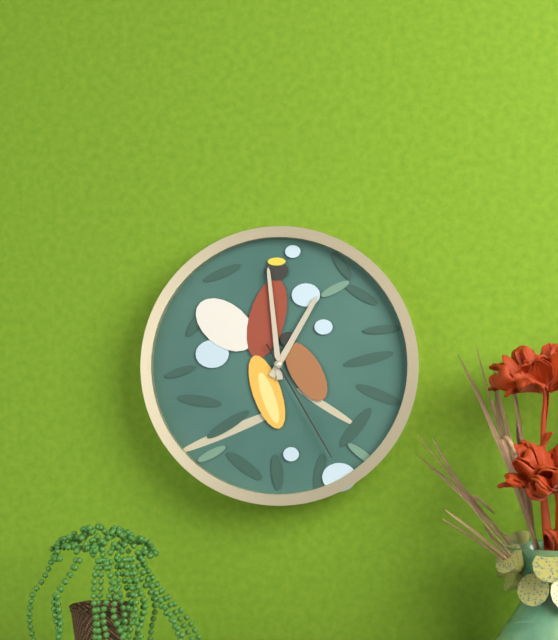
12:59:25
